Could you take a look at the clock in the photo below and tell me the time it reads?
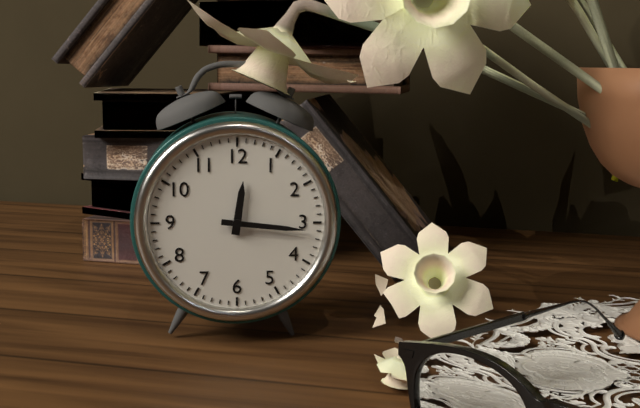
12:16
